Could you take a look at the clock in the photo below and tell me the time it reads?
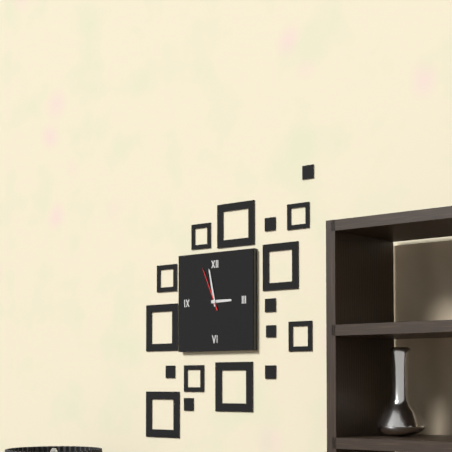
2:58
